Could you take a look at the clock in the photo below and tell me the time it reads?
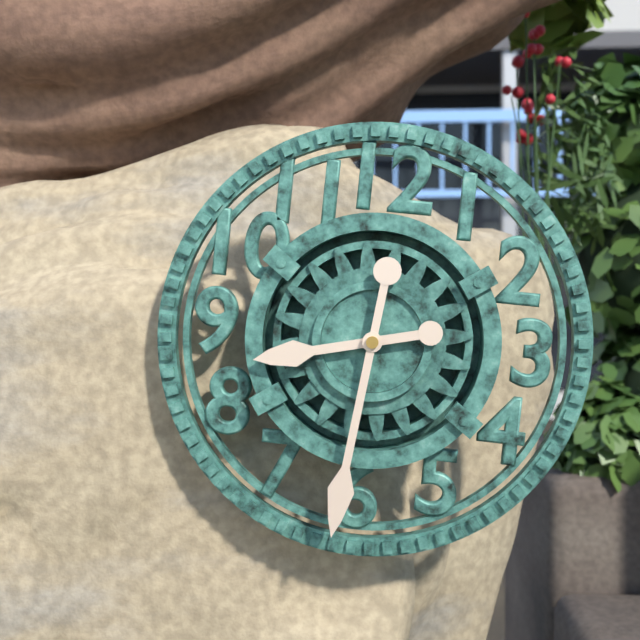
8:31
